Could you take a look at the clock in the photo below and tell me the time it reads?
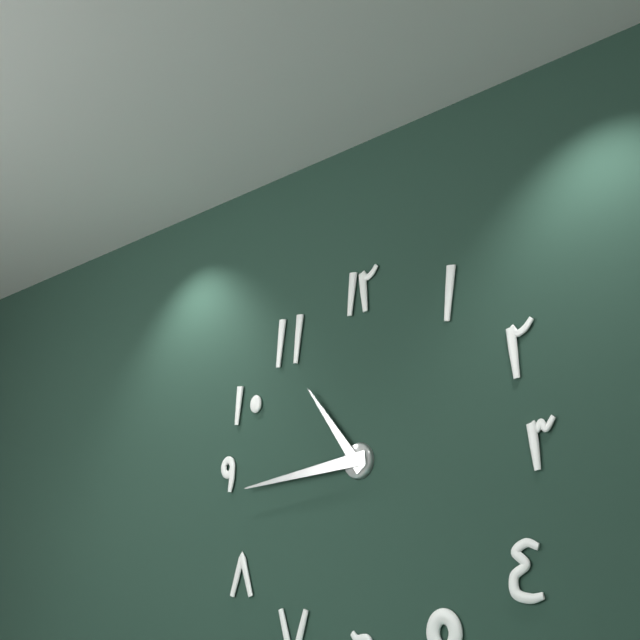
10:44
